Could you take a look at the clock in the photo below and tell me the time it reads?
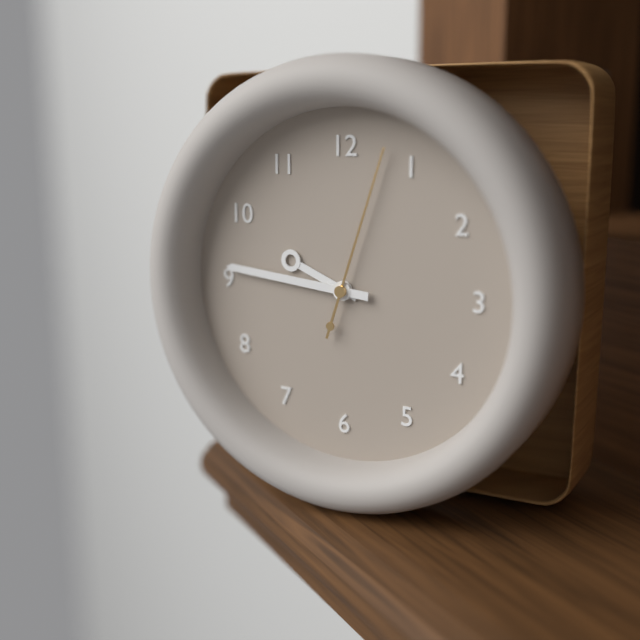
9:46:03
